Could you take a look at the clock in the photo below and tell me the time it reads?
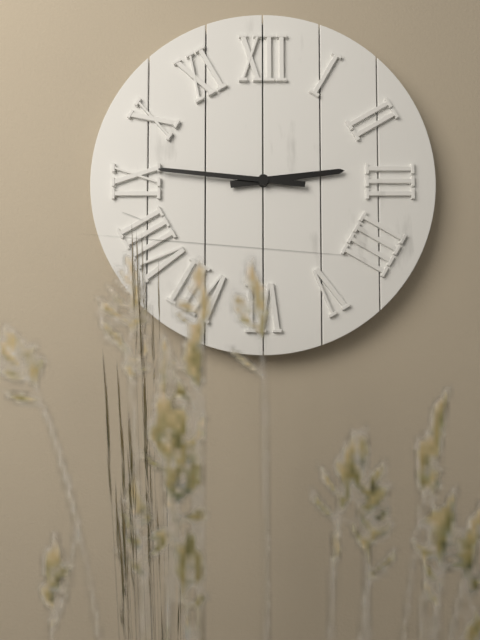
2:46
